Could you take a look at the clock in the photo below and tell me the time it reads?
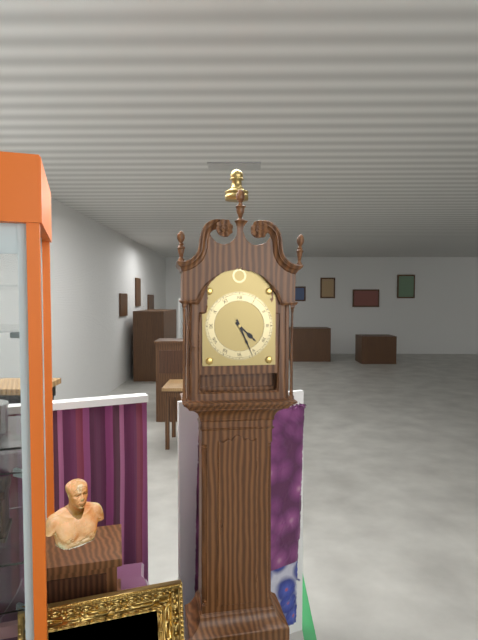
4:26
